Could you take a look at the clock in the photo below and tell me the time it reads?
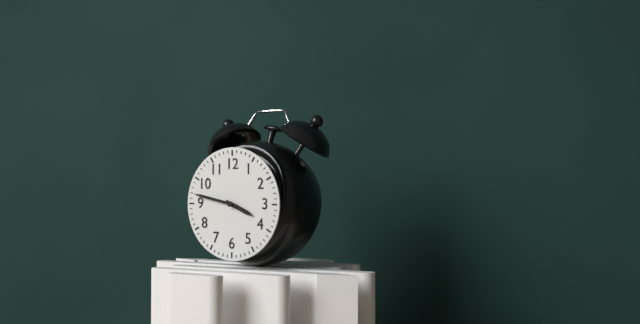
3:47
